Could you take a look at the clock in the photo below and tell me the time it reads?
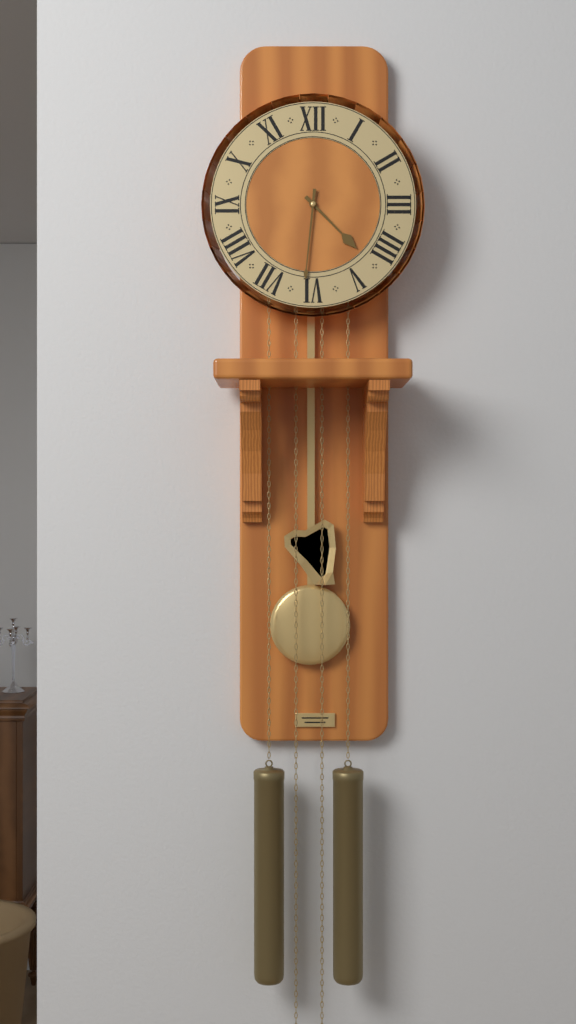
4:31
